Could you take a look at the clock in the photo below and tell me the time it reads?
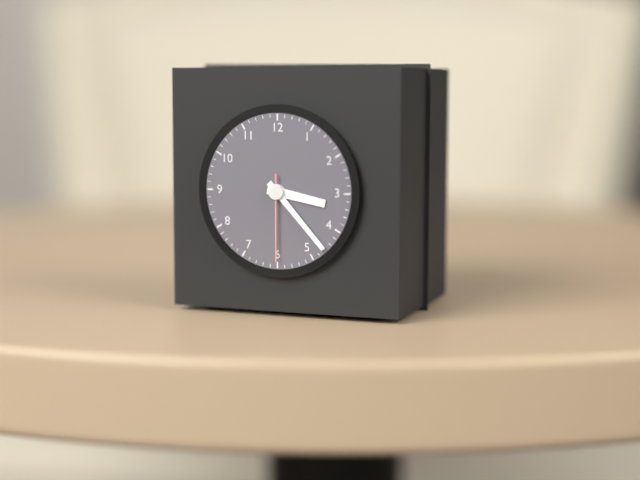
3:23:30
